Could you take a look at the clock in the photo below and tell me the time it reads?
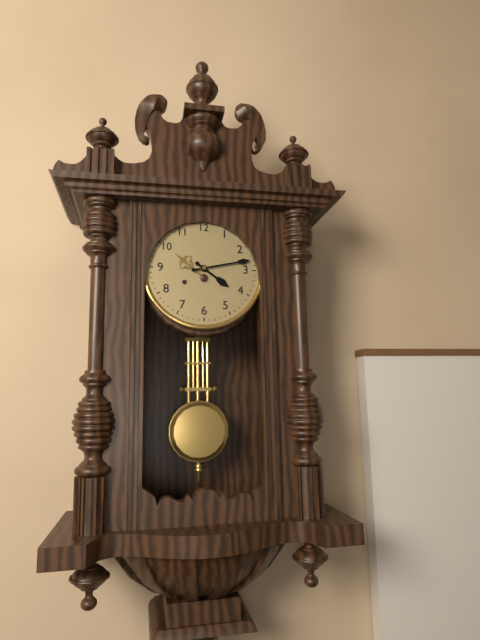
4:13
